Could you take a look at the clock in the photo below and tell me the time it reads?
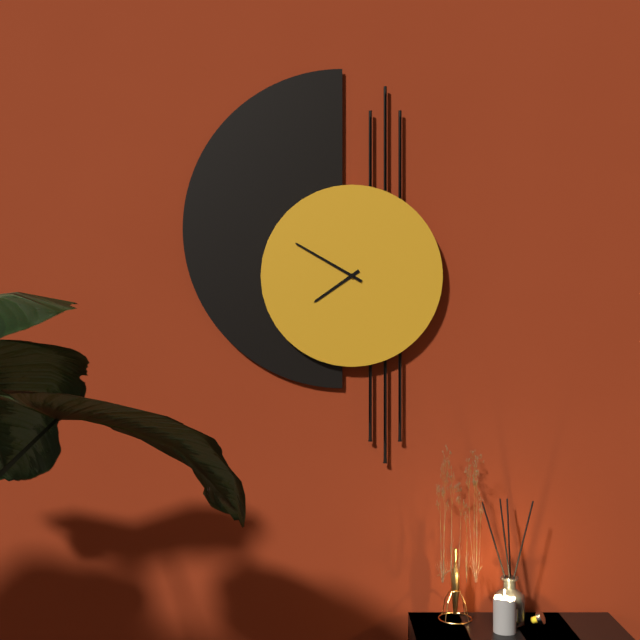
7:50
